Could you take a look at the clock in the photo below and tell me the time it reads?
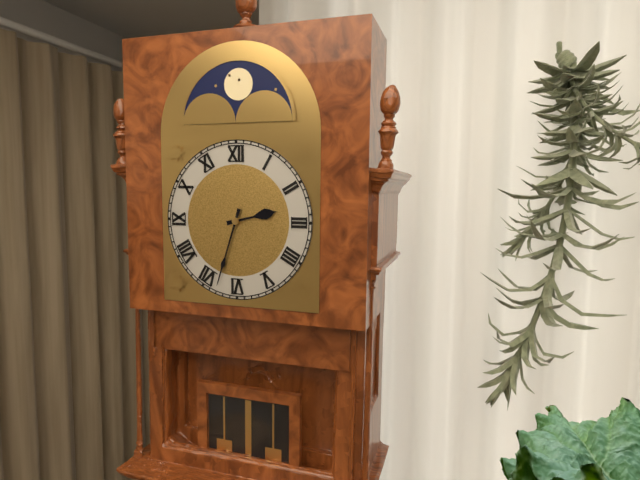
2:33
